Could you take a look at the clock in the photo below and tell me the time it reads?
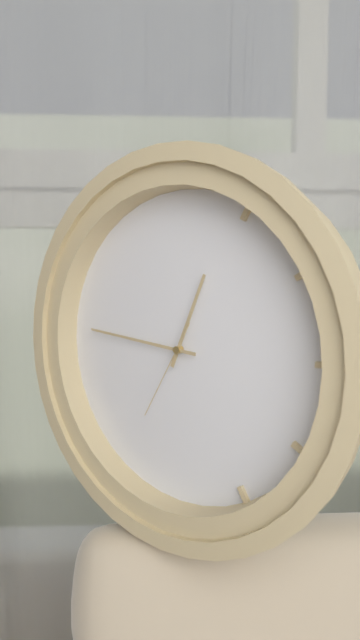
12:46:35
